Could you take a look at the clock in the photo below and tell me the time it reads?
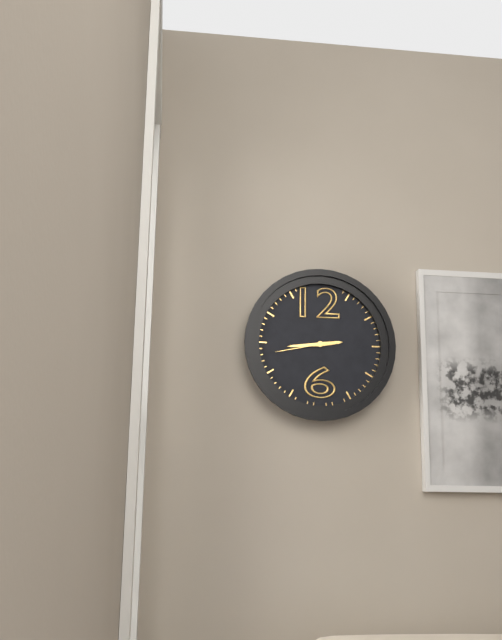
2:44:43
